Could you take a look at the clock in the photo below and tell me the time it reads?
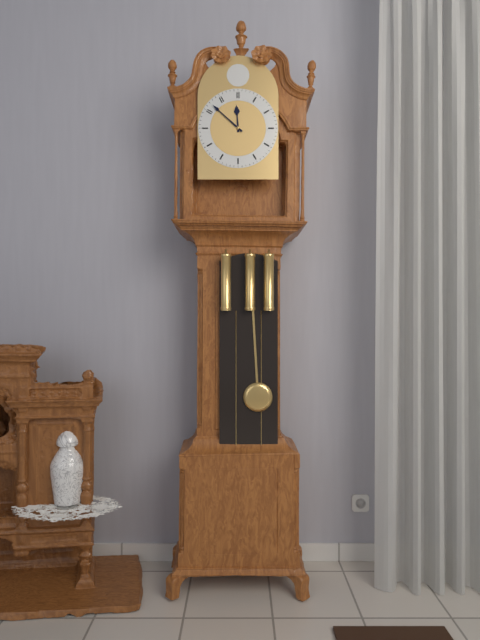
11:52
